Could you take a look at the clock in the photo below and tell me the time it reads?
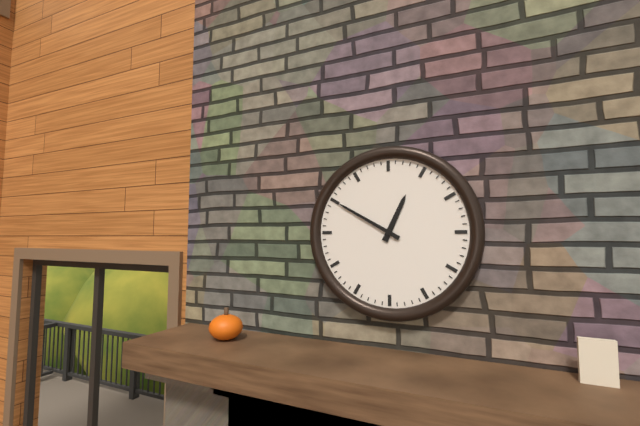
12:50
